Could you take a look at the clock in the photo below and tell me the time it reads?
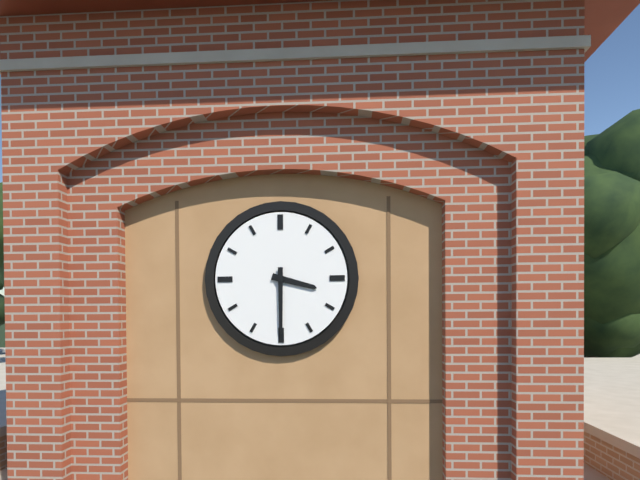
3:30
